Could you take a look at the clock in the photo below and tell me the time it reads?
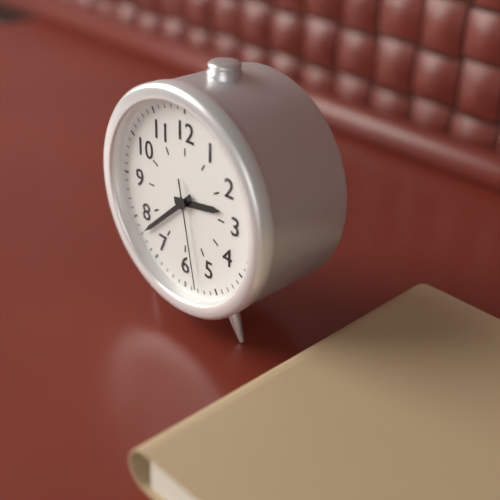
2:38:28
